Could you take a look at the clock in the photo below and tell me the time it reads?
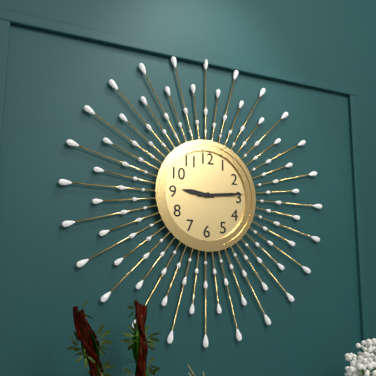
9:14
